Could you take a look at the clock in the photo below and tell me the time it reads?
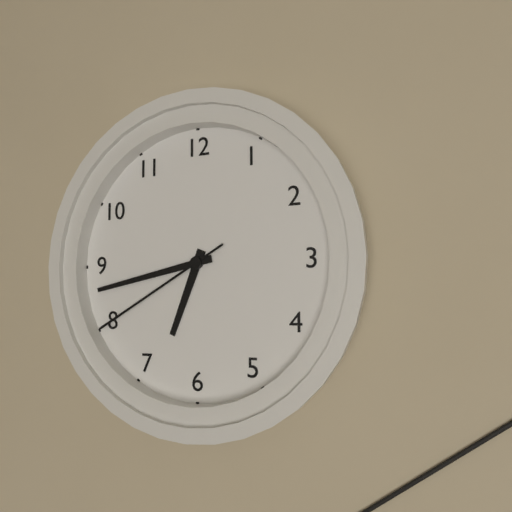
6:43:40
